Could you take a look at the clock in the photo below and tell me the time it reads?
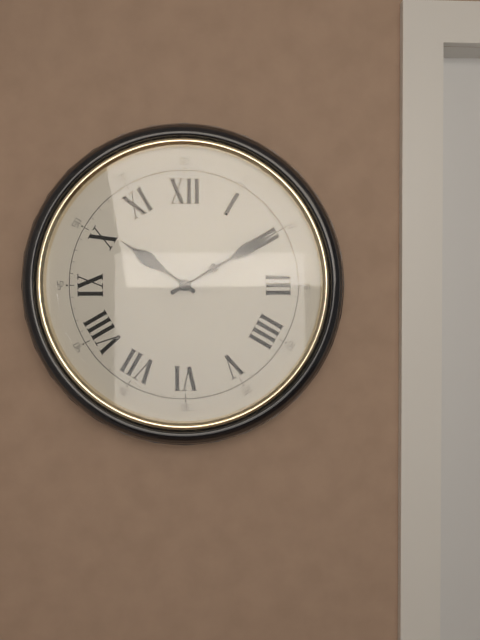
10:10
